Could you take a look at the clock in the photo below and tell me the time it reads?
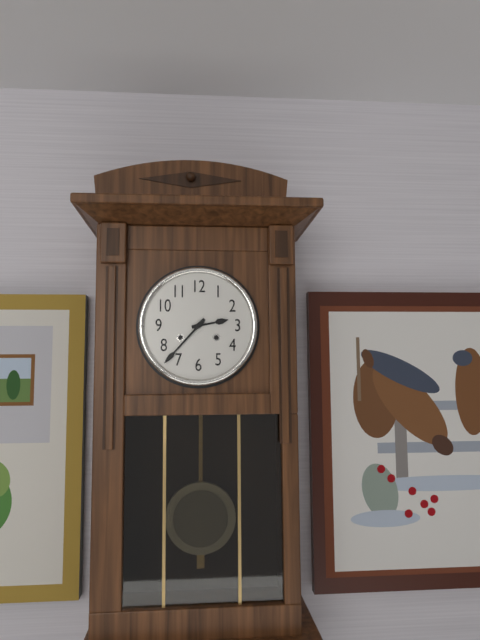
2:37
